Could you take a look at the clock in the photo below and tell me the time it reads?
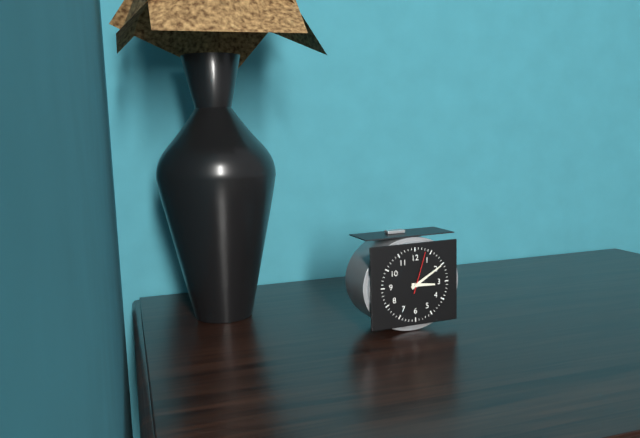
3:10
